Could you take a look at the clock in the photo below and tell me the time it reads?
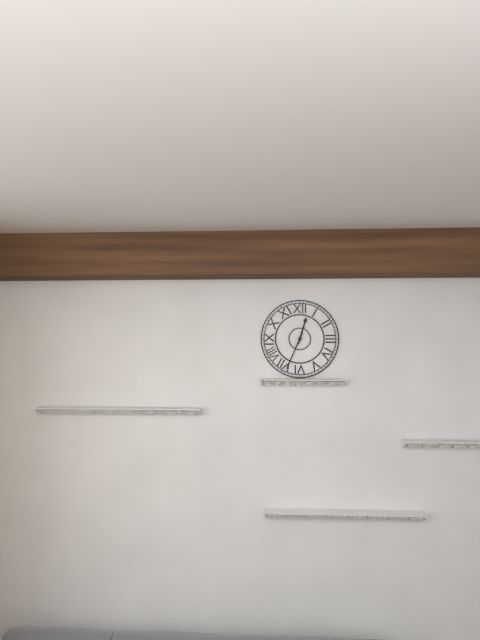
12:34
